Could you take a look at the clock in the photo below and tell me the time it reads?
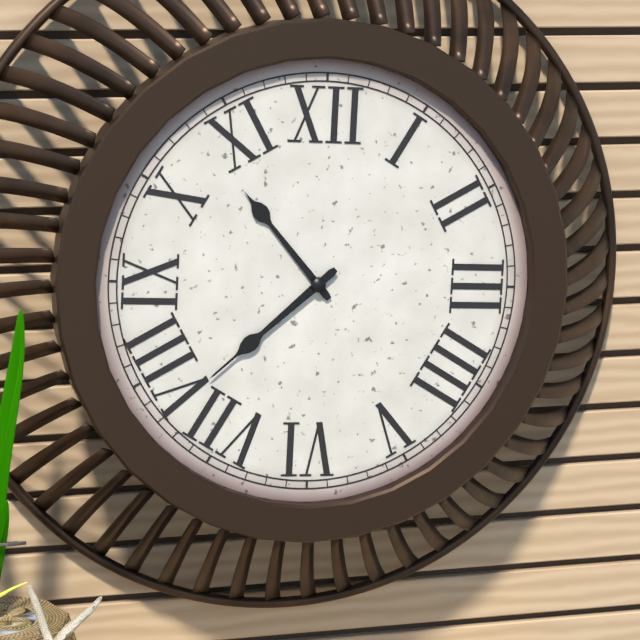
10:38
